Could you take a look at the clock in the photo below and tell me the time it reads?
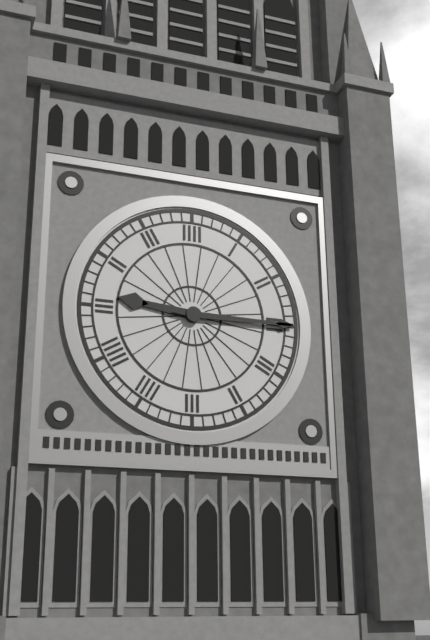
9:15
